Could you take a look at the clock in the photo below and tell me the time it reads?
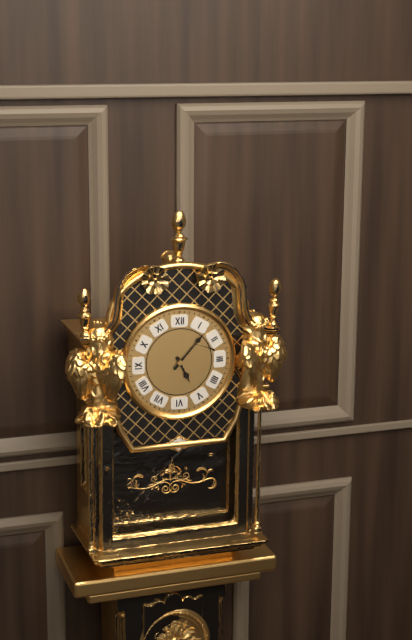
5:07
